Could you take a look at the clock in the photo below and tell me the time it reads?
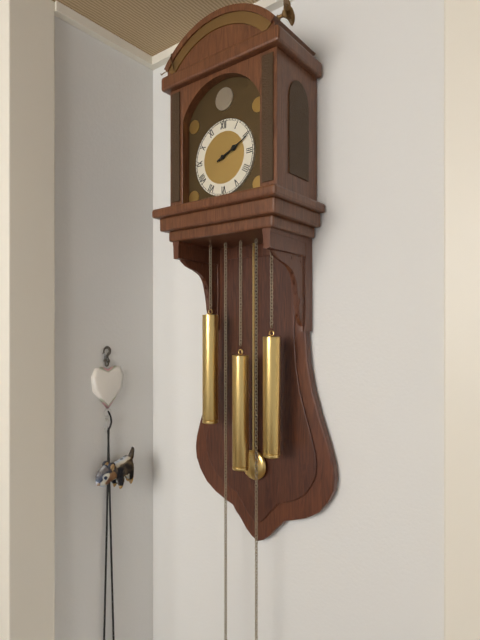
2:11
